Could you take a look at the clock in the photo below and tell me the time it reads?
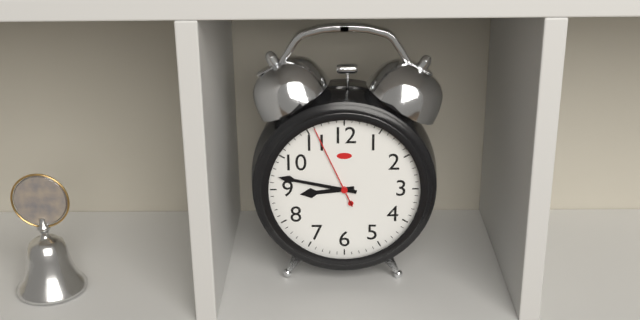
8:47:56
